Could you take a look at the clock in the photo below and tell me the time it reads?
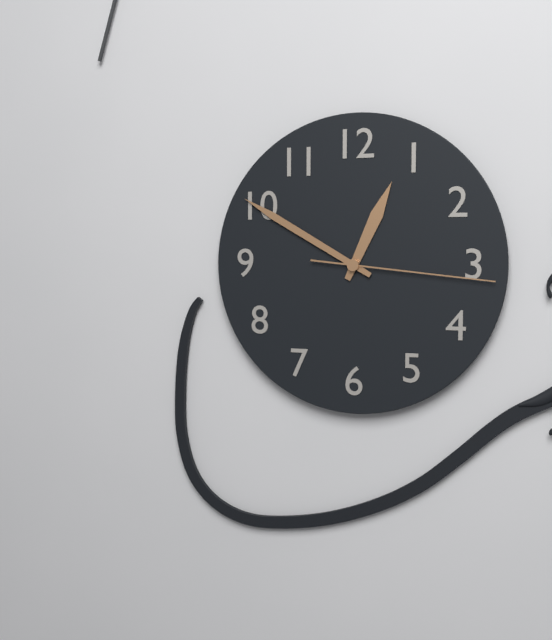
12:50:16
